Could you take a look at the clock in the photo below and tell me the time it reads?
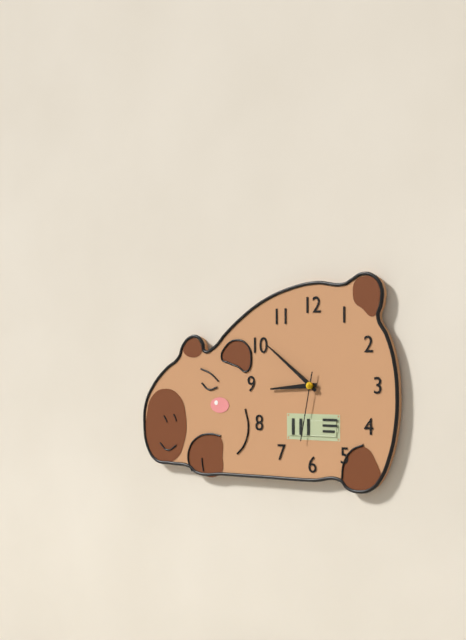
8:51:32
